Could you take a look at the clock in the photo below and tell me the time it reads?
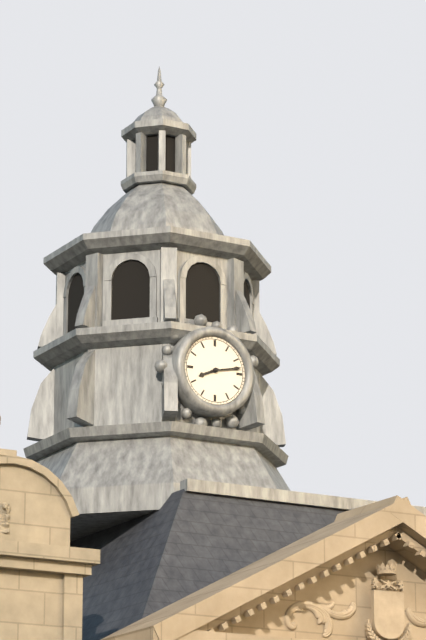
8:13
